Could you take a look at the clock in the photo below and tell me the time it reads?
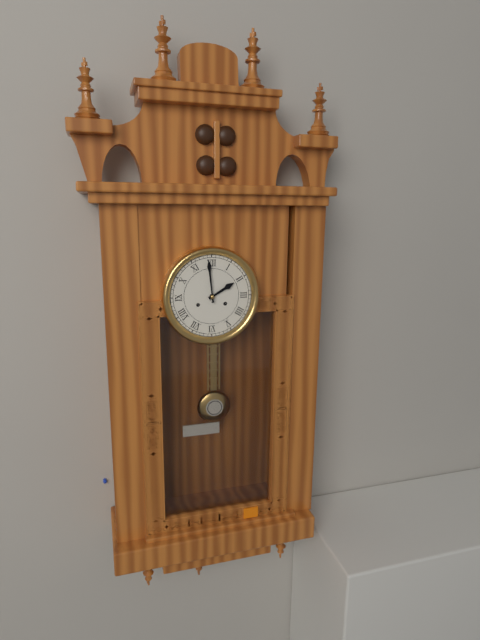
1:59
